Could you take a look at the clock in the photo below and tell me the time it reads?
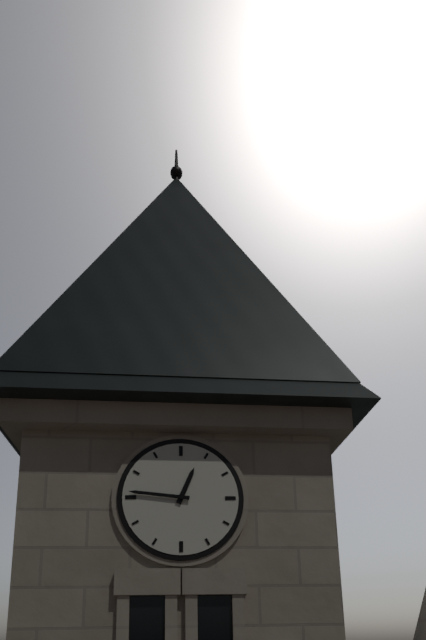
12:46
